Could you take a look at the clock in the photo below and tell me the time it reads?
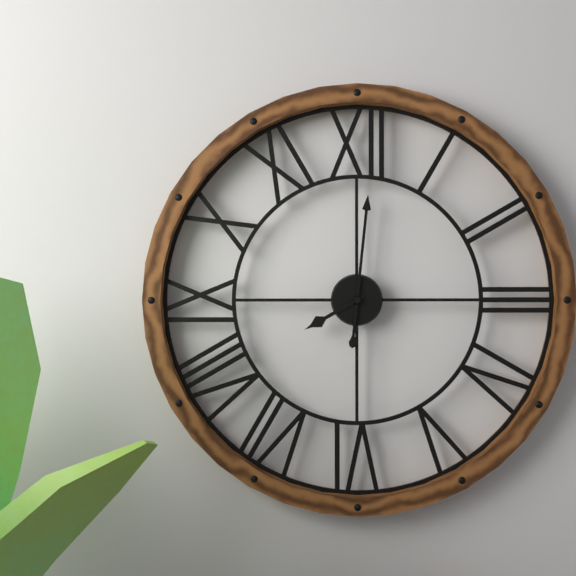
8:01
